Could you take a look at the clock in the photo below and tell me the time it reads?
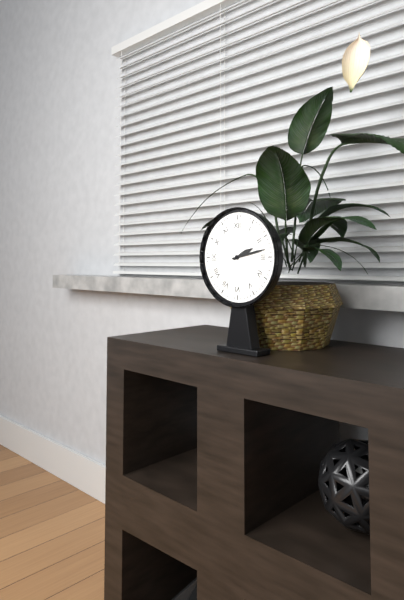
2:13
